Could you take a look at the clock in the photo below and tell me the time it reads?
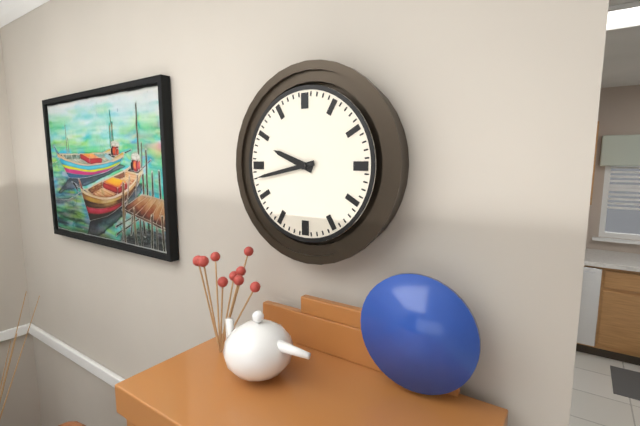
9:43
